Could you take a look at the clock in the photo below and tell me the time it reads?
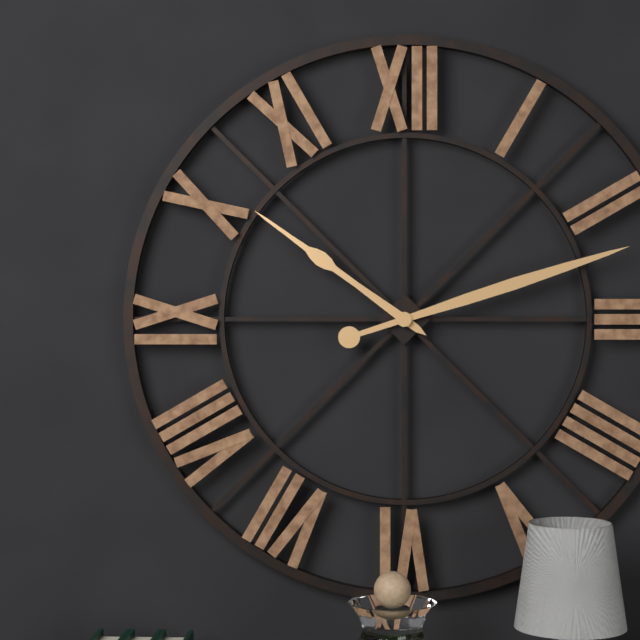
10:12
